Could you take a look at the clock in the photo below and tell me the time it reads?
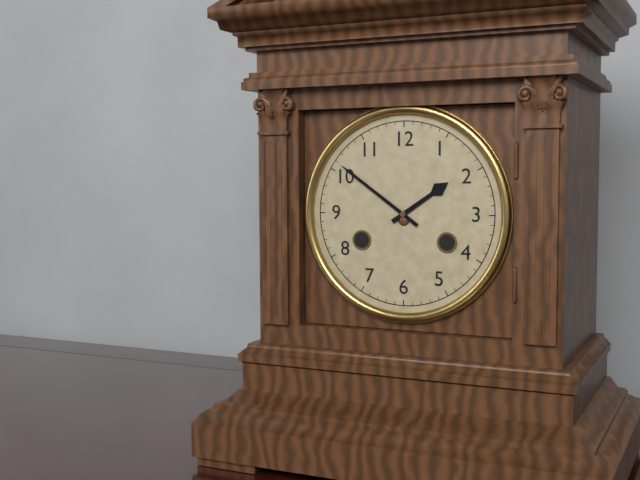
1:51
